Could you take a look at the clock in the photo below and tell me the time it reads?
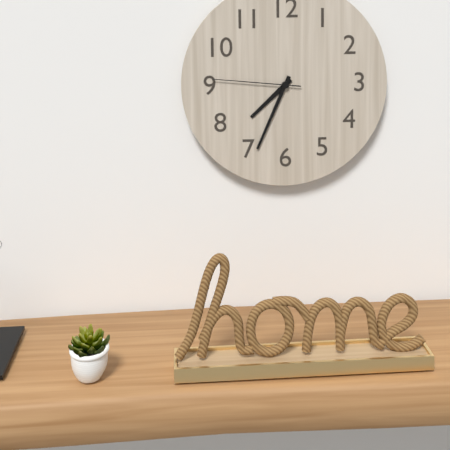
7:34:46
